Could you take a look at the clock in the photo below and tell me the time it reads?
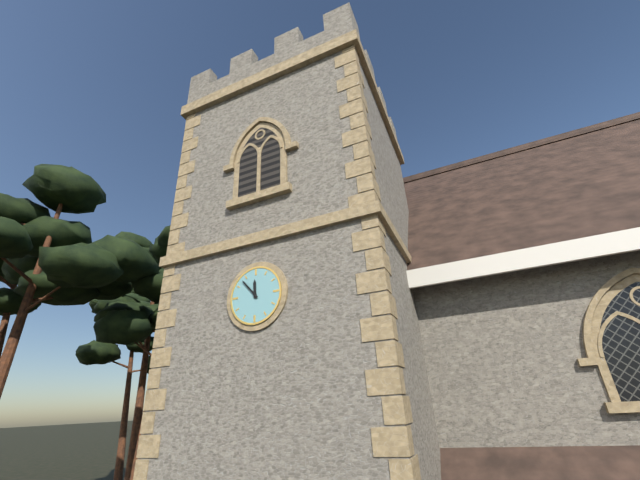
11:53
